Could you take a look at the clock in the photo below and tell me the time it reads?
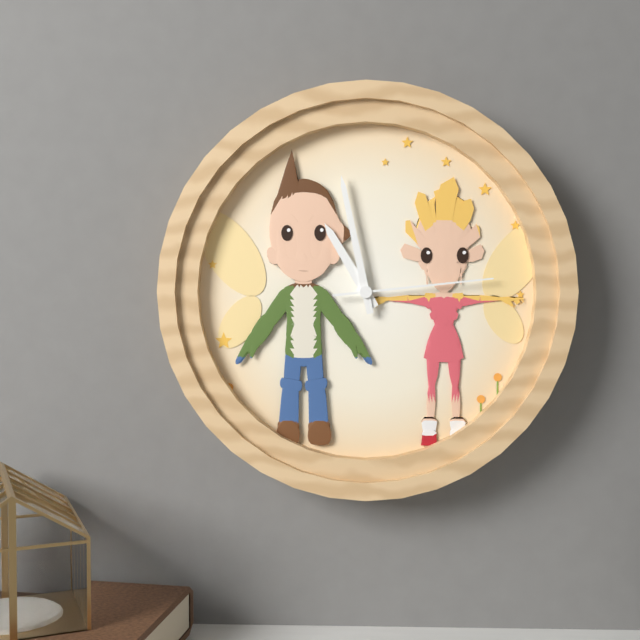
10:58:14
